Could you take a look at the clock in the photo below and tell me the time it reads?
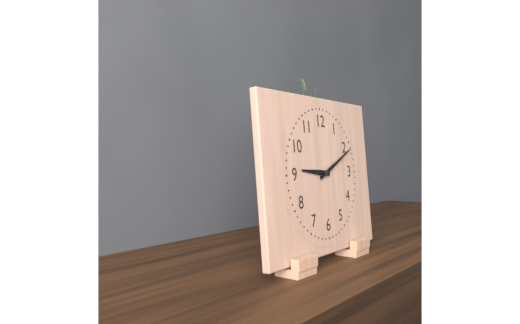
9:11
